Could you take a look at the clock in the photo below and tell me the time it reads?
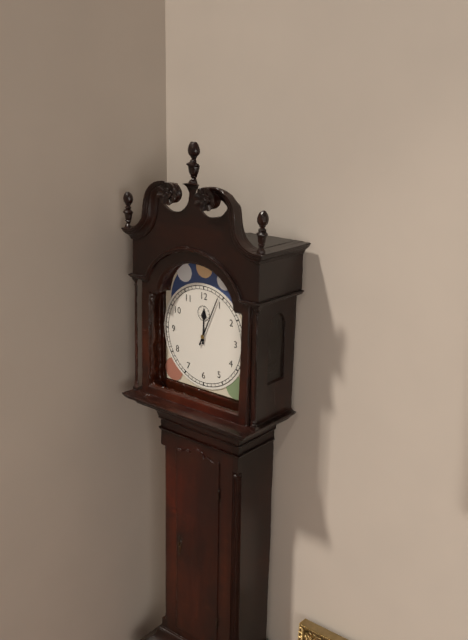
12:04
